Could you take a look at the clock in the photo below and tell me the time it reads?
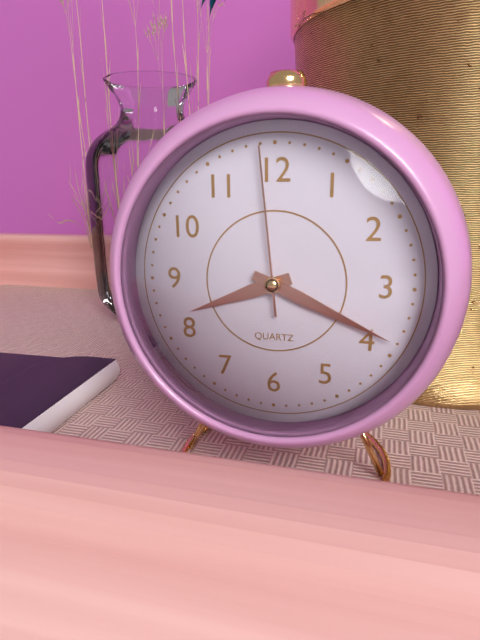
8:19:59
